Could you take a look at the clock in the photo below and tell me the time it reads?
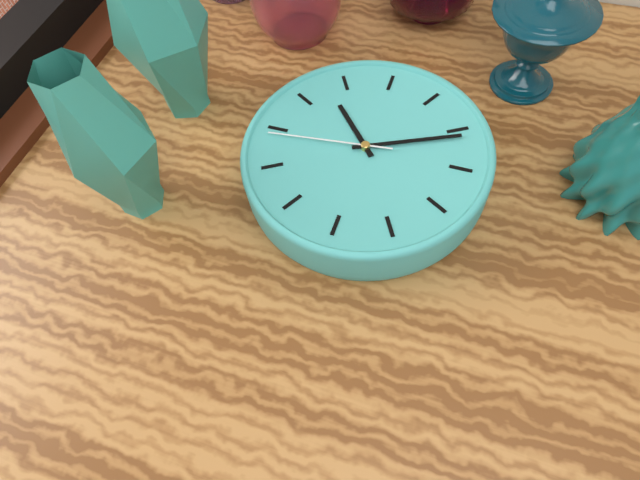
3:36:09
